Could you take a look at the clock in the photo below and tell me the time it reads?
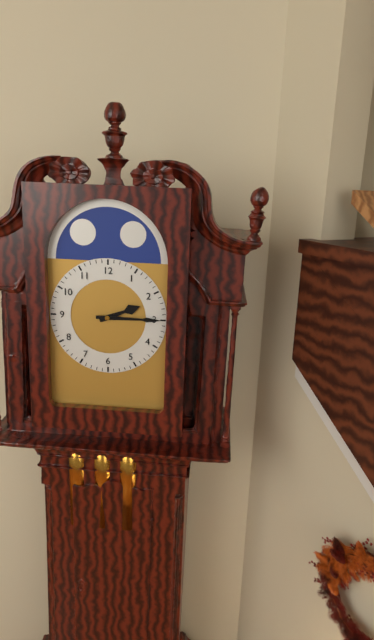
2:15
